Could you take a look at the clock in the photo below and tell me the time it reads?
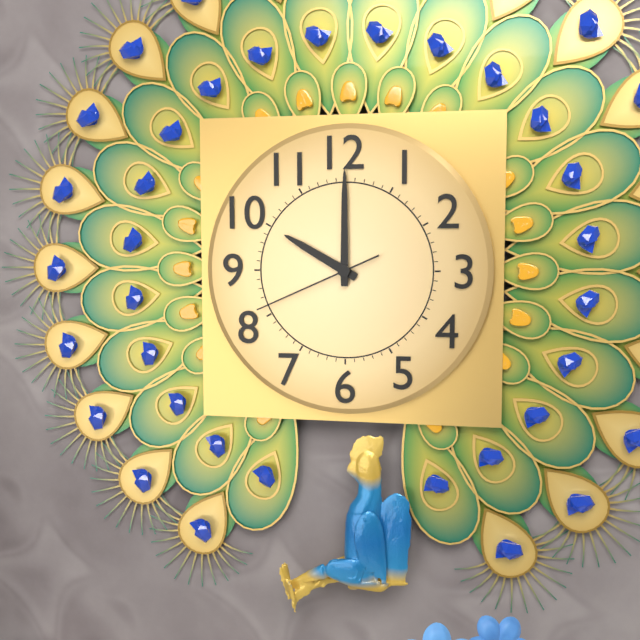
10:00:41
